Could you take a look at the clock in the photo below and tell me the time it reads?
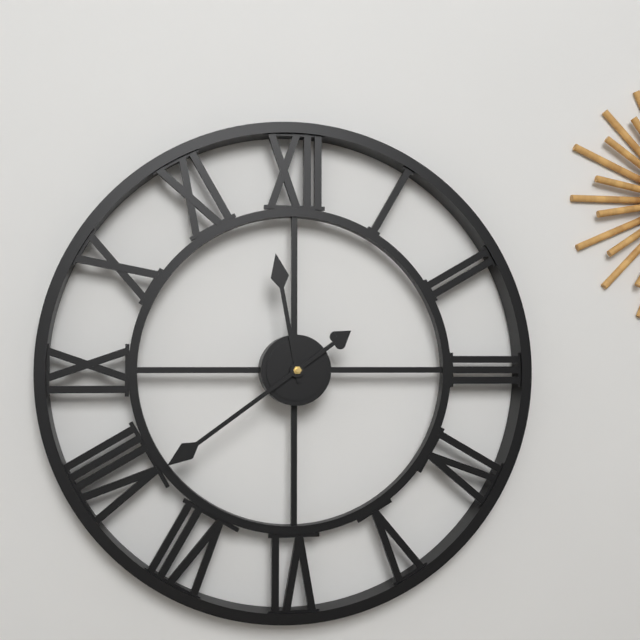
11:39
